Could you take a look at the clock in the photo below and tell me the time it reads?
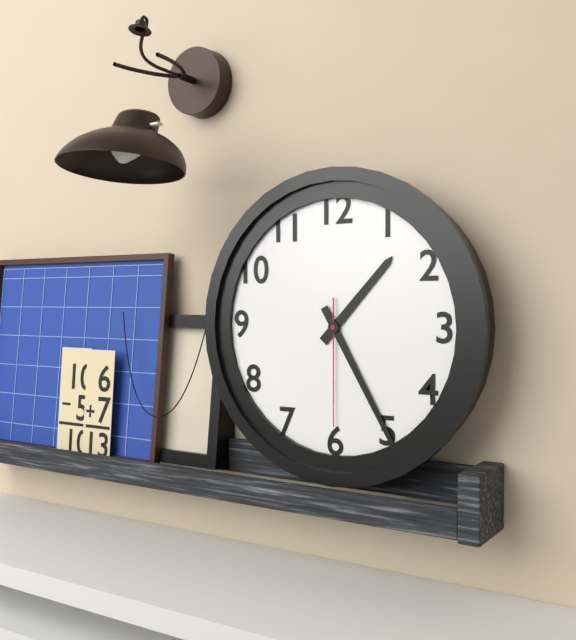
1:25:30
